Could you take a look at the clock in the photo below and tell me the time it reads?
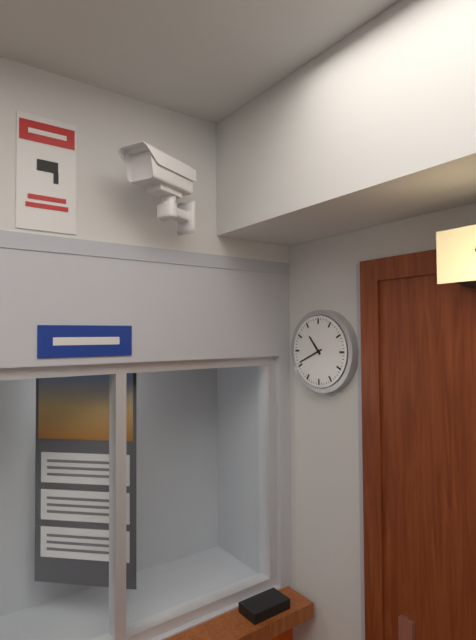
10:41
